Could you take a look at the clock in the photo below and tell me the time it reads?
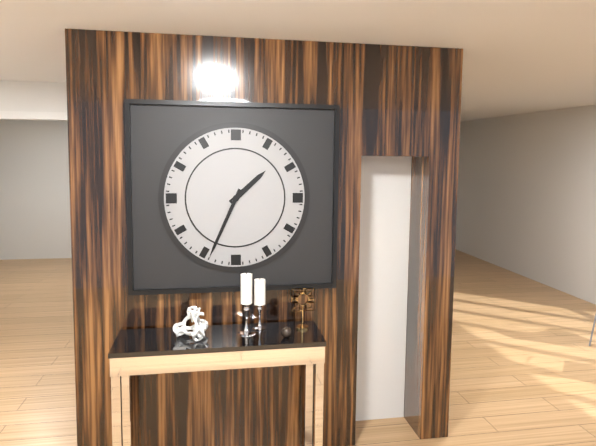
1:34
